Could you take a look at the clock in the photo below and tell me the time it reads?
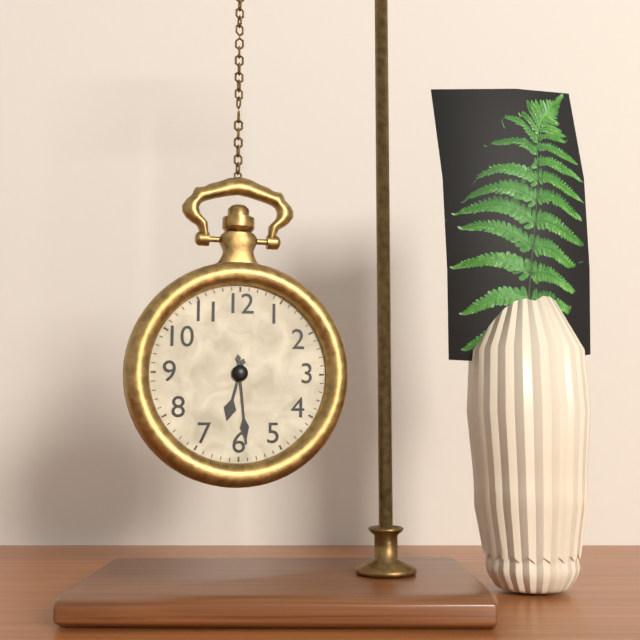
6:29
